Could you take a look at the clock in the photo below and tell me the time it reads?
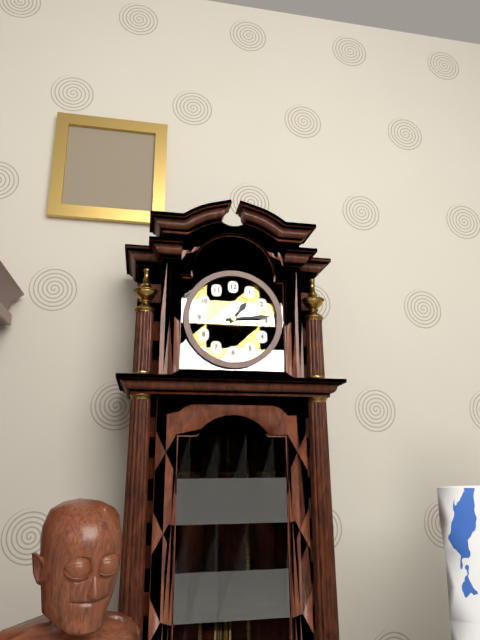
1:14
